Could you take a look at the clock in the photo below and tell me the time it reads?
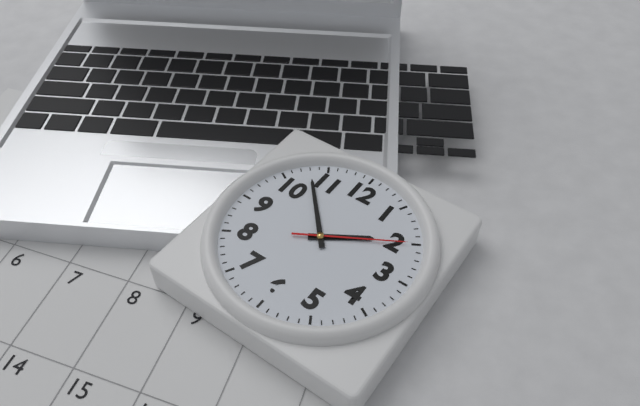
1:53:10
